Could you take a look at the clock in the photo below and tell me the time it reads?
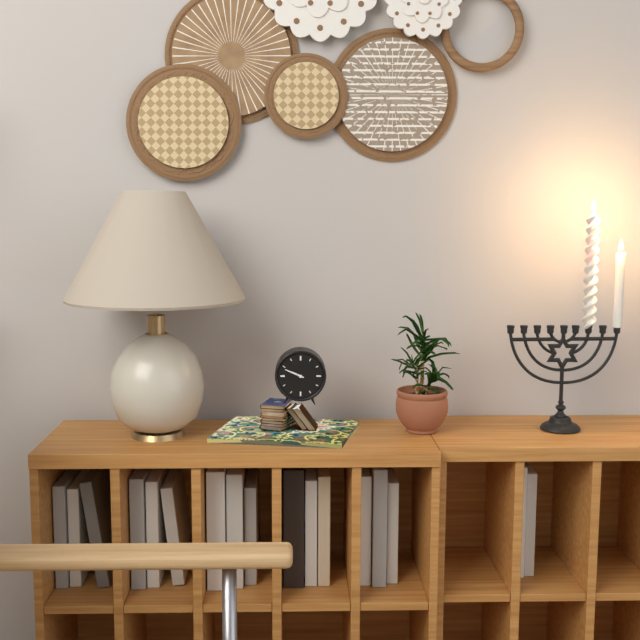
9:49
